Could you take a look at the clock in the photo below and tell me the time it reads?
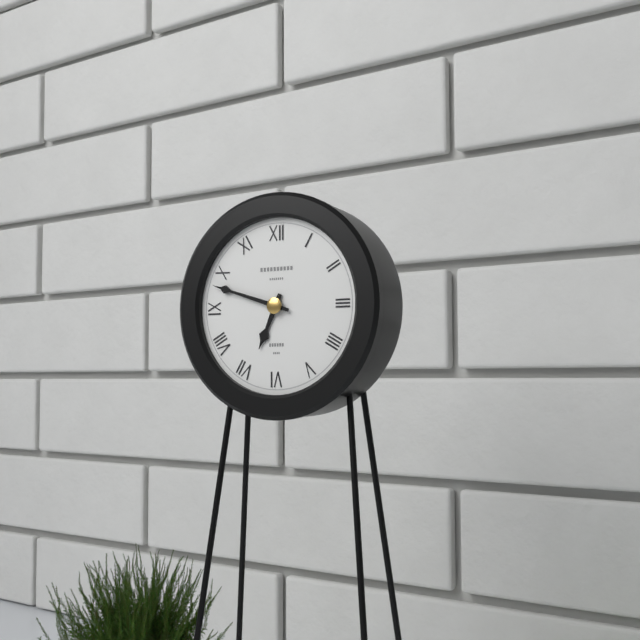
6:48
